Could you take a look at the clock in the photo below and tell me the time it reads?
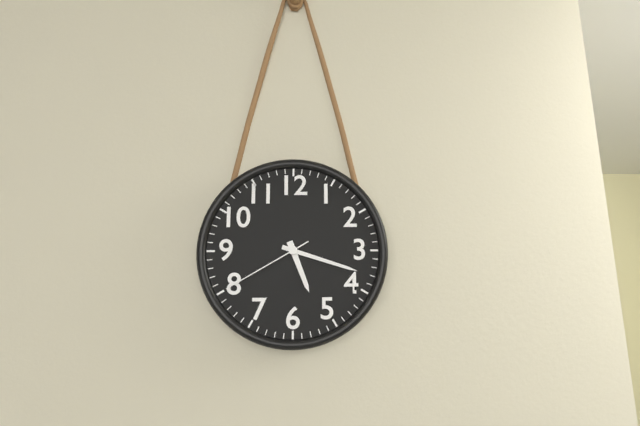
5:18:40
